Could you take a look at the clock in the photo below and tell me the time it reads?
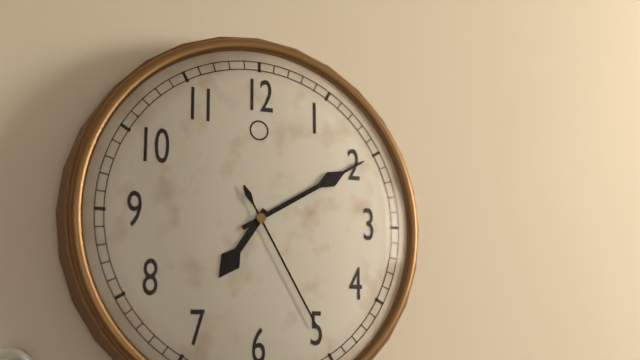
7:10:25
